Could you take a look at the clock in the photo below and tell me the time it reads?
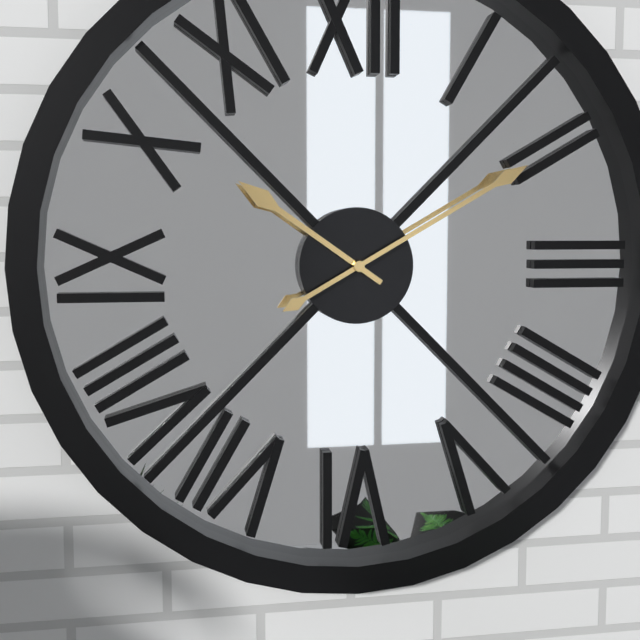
10:10
